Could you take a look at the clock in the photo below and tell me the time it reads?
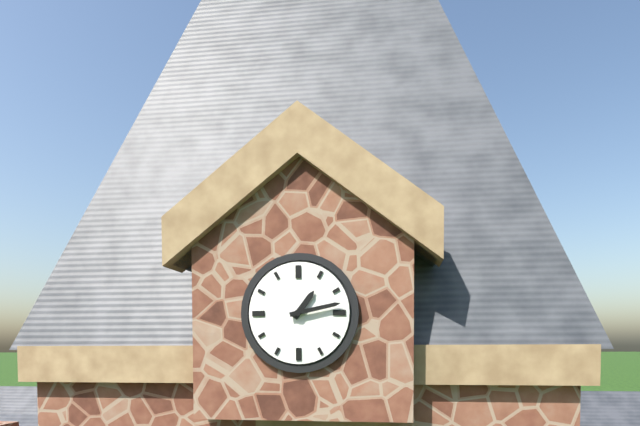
1:13
